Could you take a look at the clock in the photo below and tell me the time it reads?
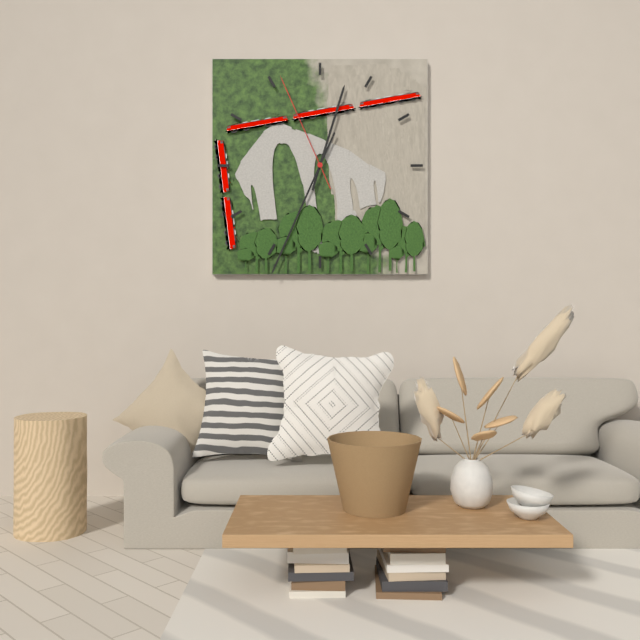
12:34:56
